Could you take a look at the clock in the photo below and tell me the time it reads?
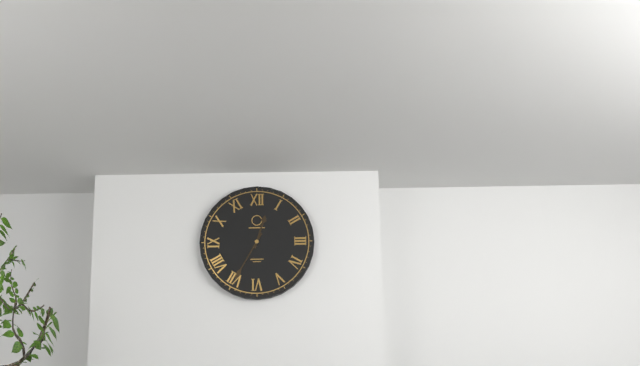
12:35
